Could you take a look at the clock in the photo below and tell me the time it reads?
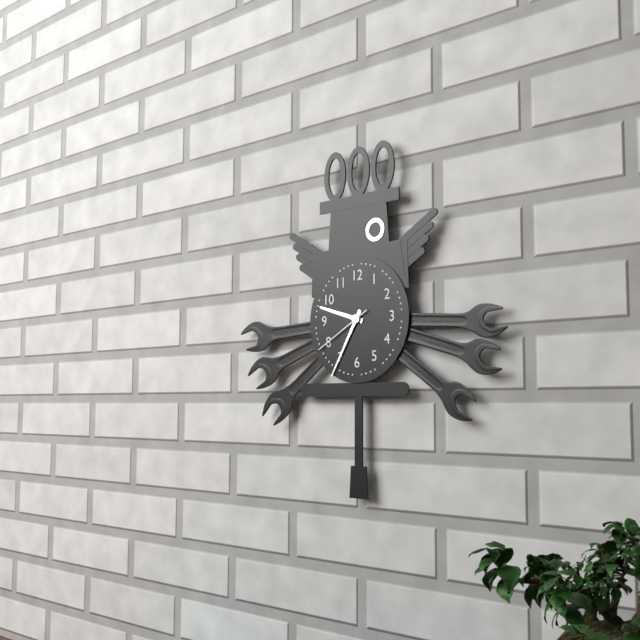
9:35:40
